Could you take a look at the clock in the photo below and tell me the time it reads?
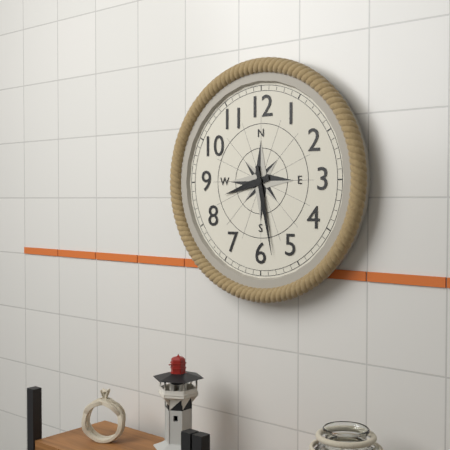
8:28
